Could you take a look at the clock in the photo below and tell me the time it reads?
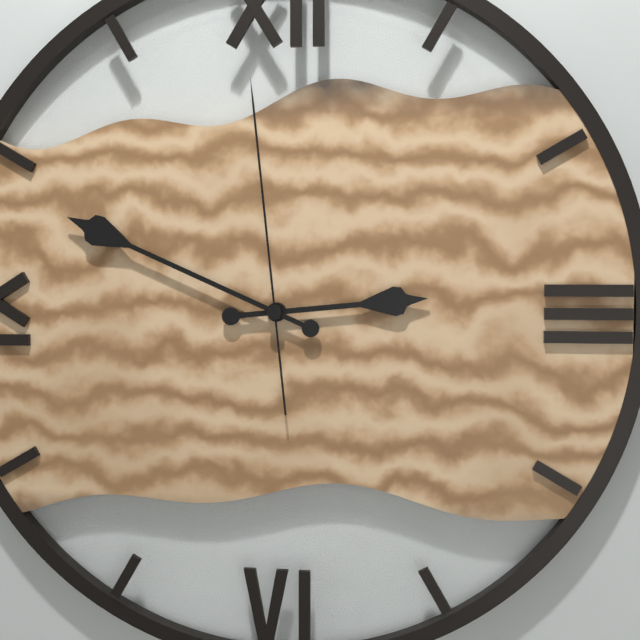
2:49:59
